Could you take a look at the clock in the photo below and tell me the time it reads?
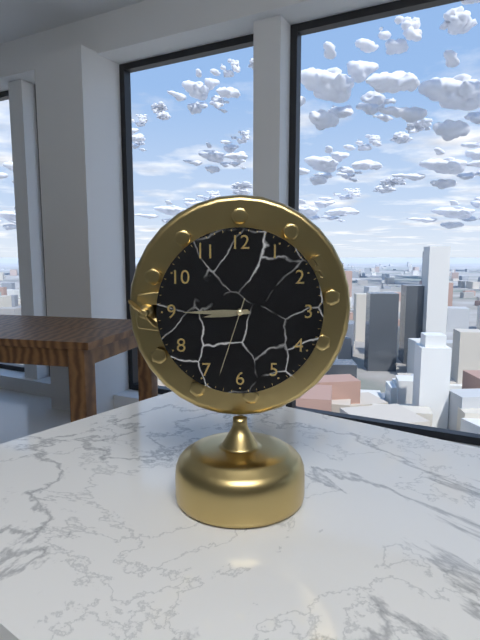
8:45:33
